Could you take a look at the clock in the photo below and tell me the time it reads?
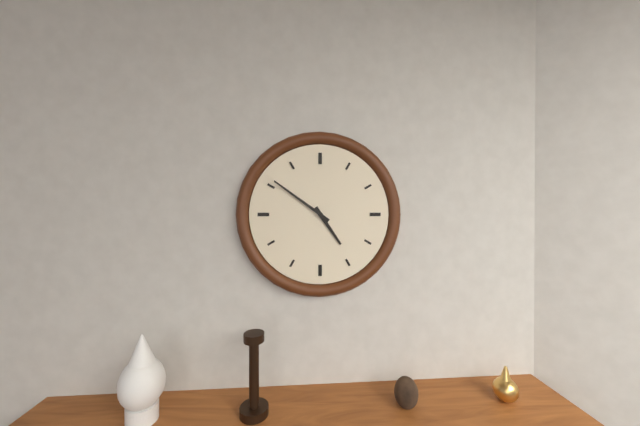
4:51
